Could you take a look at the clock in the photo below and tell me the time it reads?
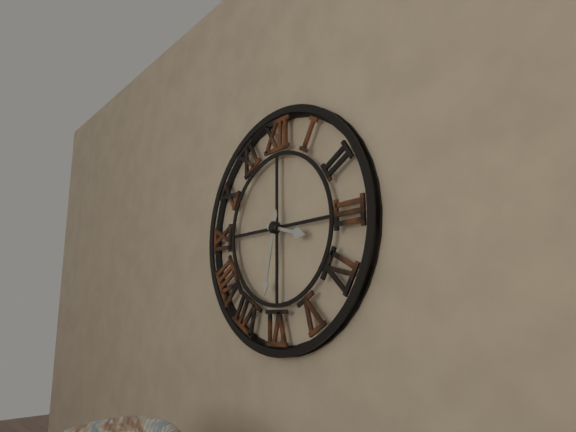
3:32
